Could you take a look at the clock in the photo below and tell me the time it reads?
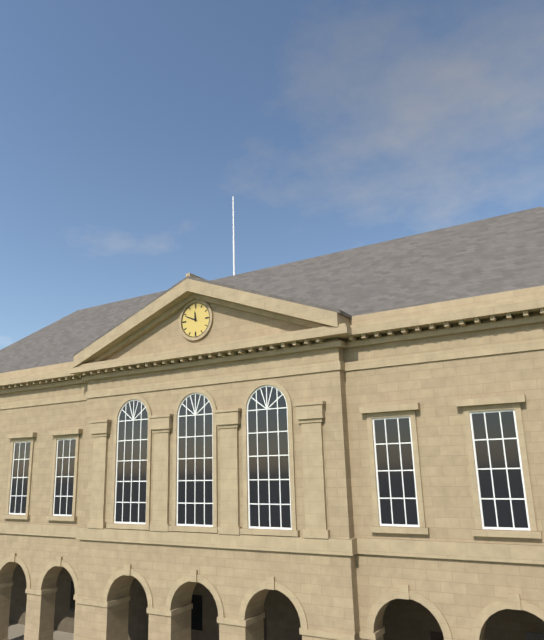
11:49
